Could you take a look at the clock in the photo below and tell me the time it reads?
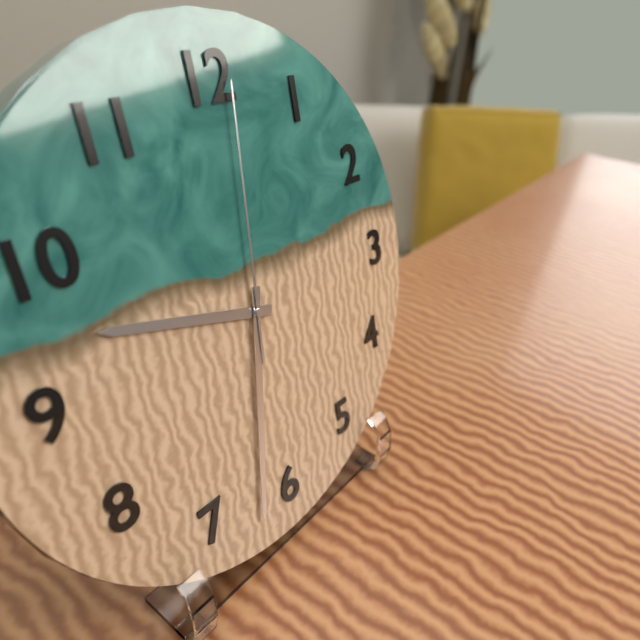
9:32:01
